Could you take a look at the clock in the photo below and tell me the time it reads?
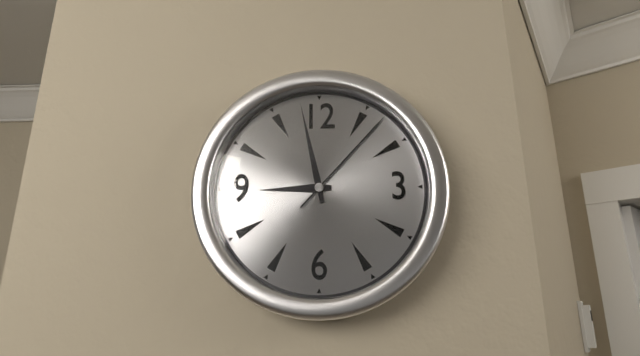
8:58:07
